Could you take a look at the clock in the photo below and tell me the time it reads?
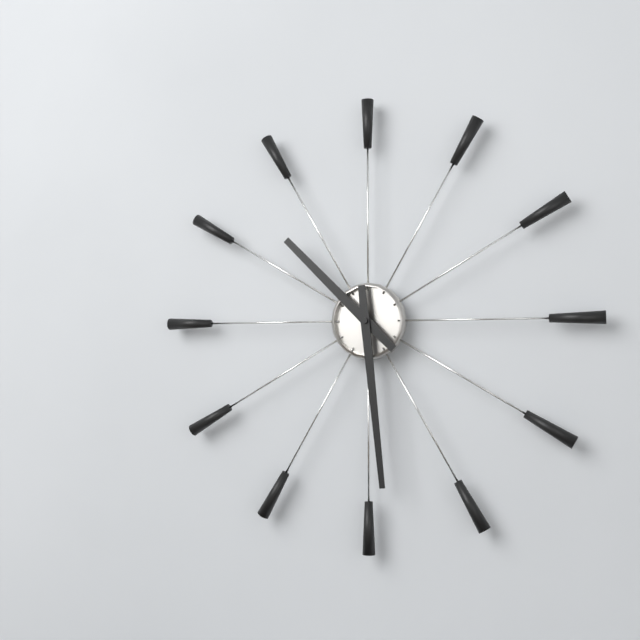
10:29
